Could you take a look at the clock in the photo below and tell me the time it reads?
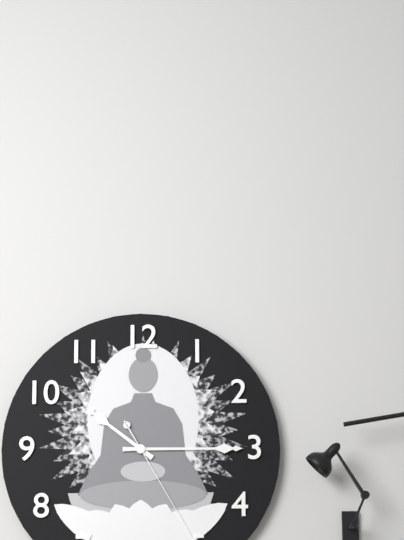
10:15
